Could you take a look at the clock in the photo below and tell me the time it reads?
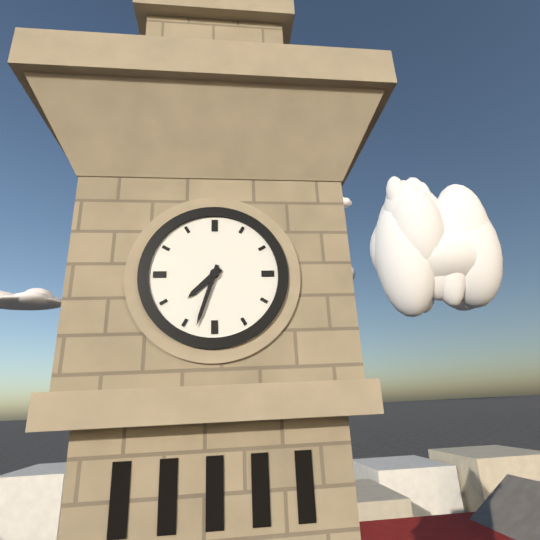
7:33
